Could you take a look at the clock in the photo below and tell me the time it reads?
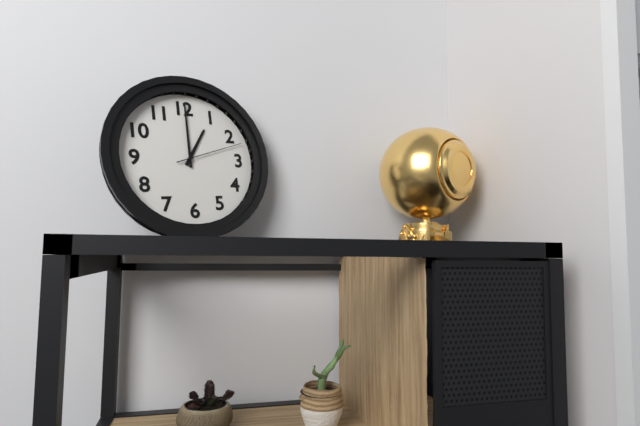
1:00:12
